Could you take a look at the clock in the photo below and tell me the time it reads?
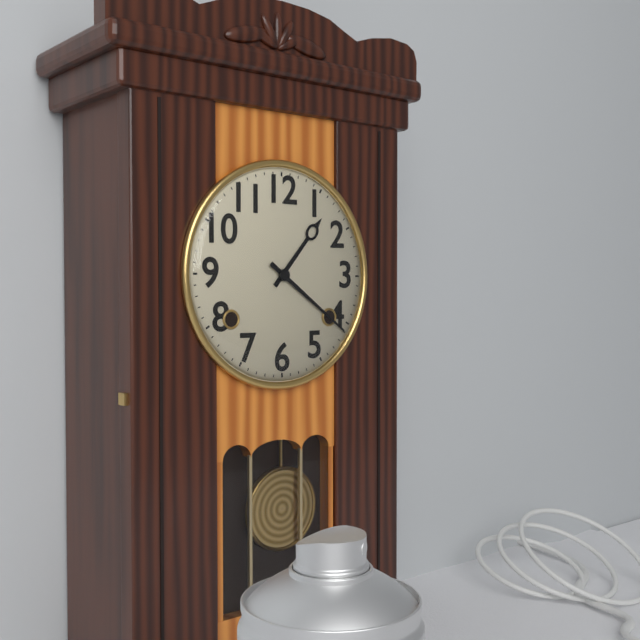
1:21
